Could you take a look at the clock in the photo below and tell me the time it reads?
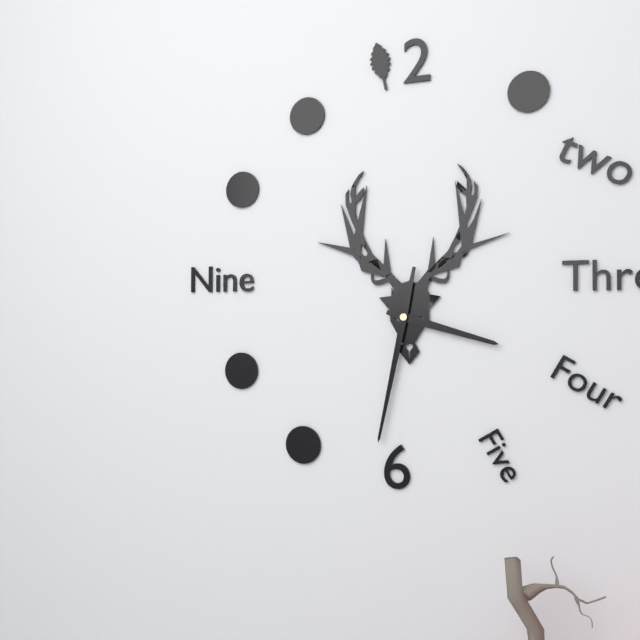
3:32
